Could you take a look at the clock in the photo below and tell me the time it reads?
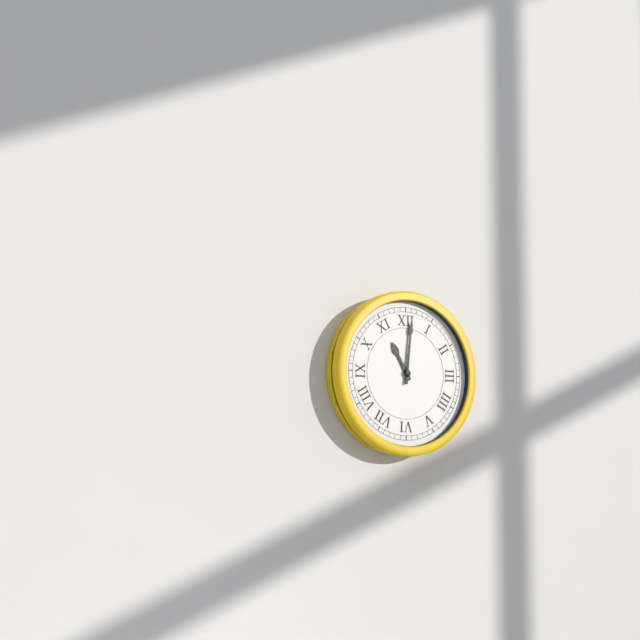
11:01
